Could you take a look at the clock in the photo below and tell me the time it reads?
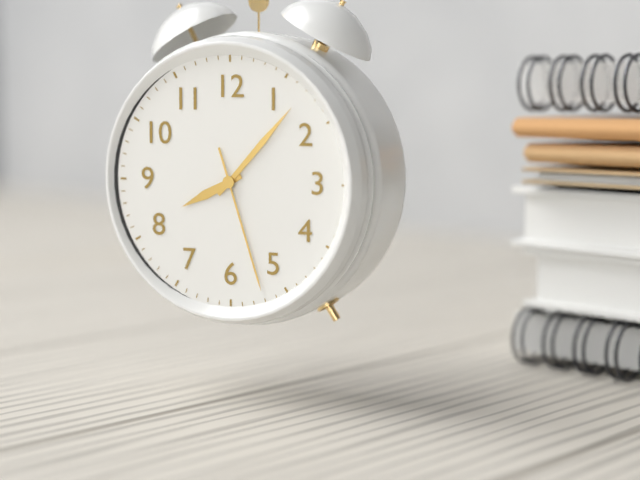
8:07:27
